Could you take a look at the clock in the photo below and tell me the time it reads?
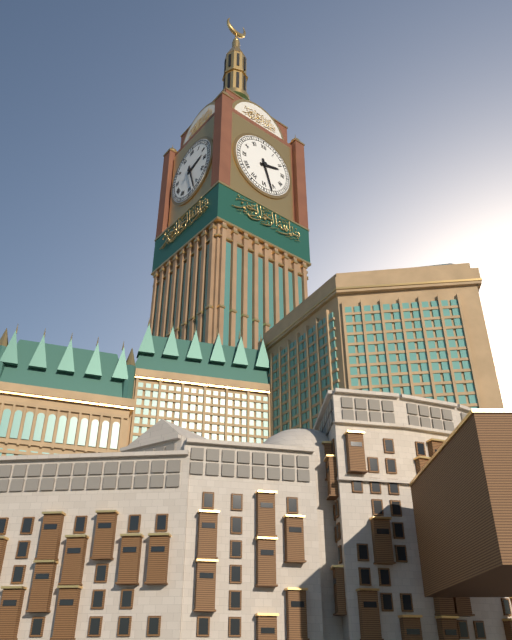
2:27
